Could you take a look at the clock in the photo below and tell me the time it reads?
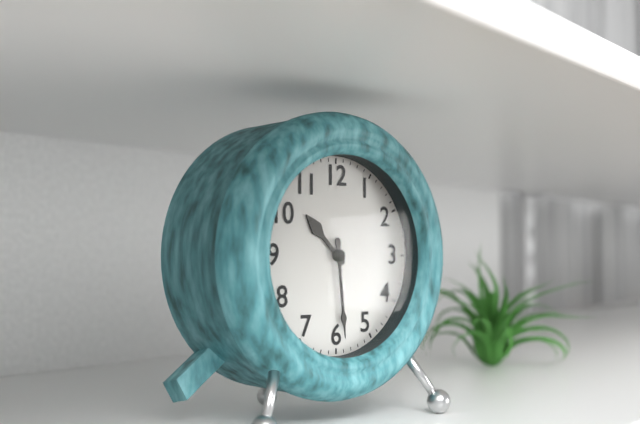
10:29
